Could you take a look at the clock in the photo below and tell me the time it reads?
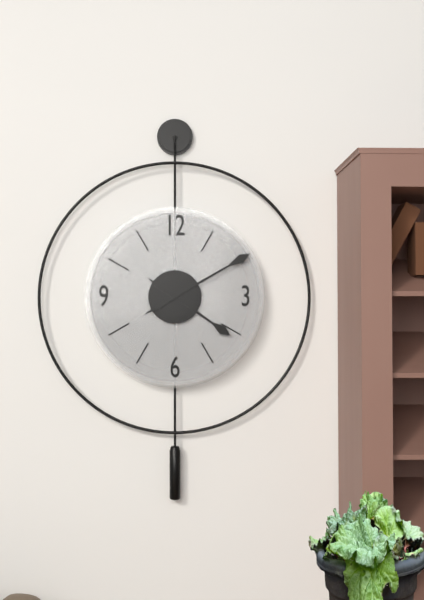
4:10
